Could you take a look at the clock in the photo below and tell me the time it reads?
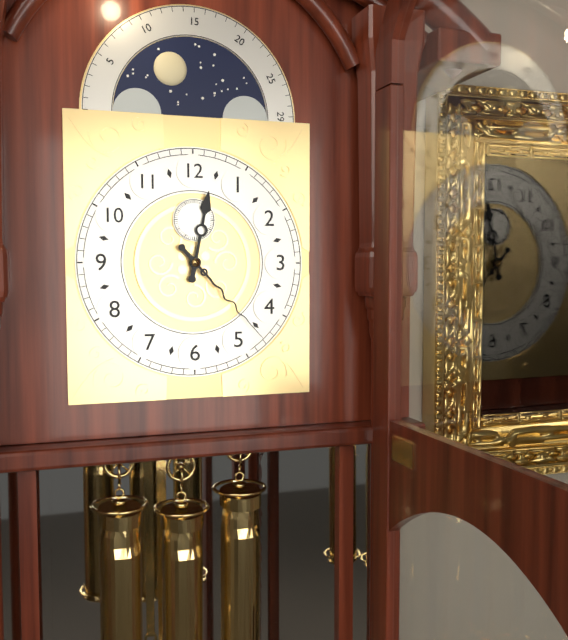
12:23
